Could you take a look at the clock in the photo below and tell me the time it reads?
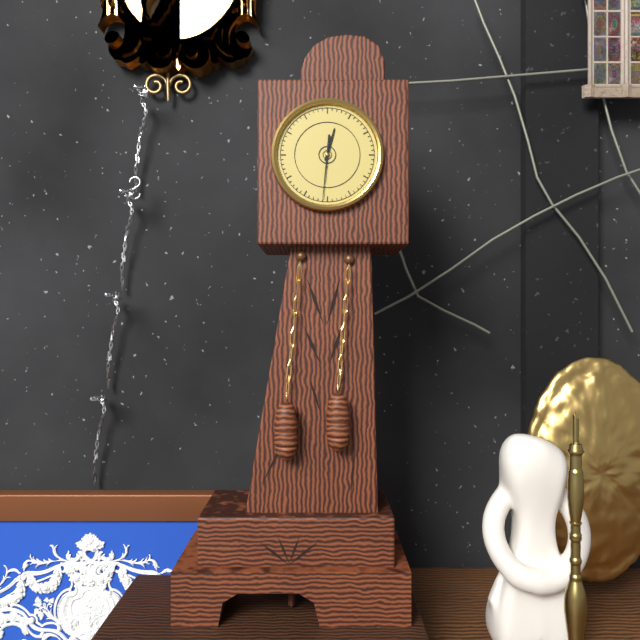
12:31
